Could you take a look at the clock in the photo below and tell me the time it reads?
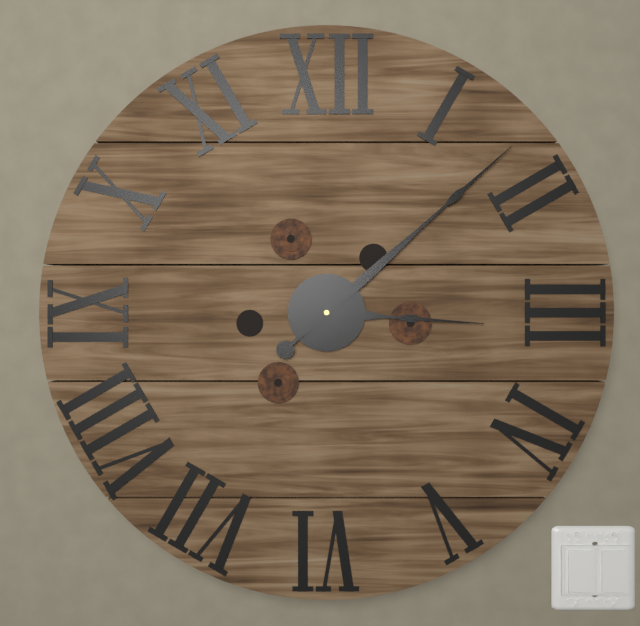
3:08
